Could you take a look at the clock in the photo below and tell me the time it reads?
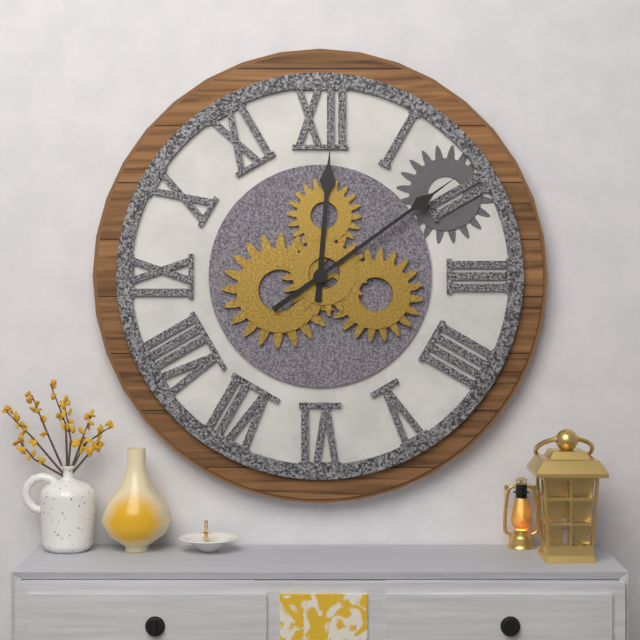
12:09
